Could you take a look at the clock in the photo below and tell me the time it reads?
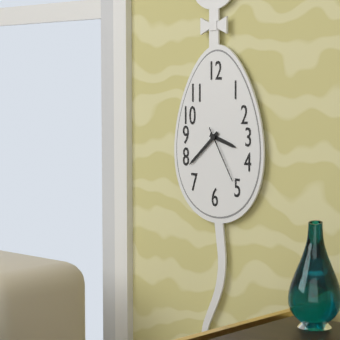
3:38:25
